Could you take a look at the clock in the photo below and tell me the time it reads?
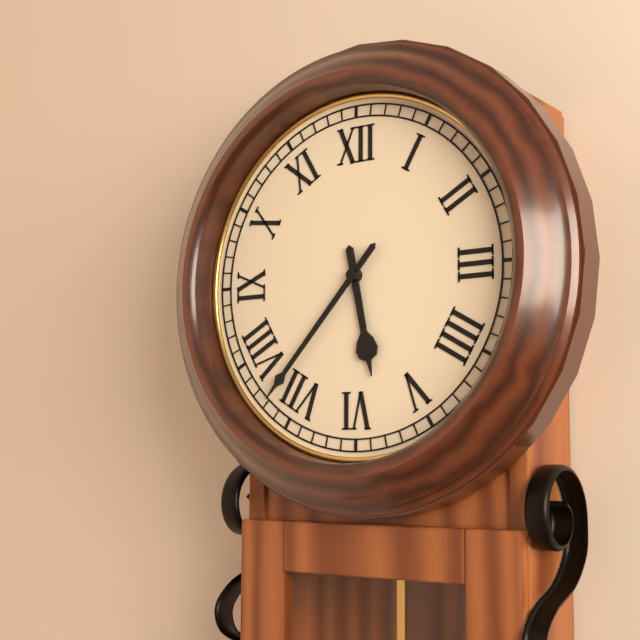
5:37
